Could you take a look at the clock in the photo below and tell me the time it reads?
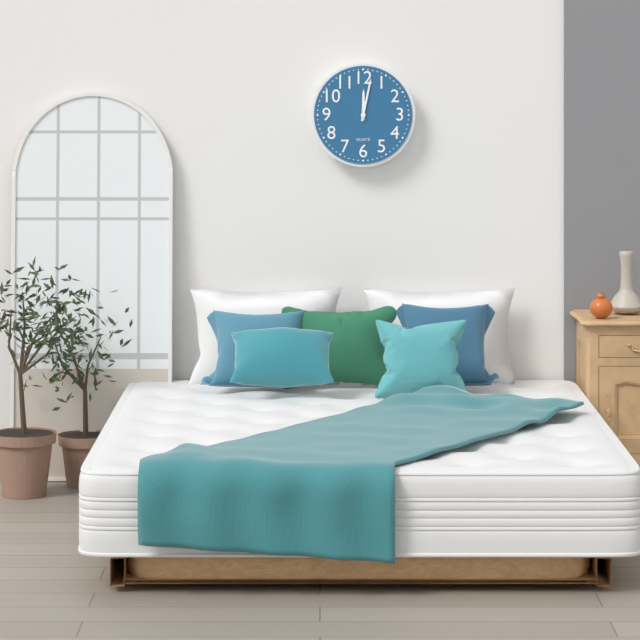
12:02
